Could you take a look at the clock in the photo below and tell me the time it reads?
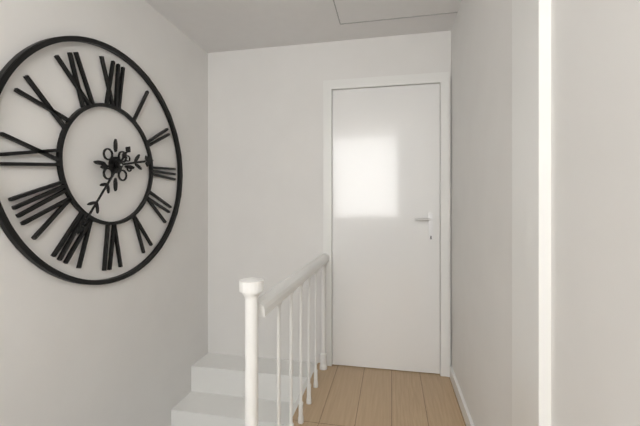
2:36
